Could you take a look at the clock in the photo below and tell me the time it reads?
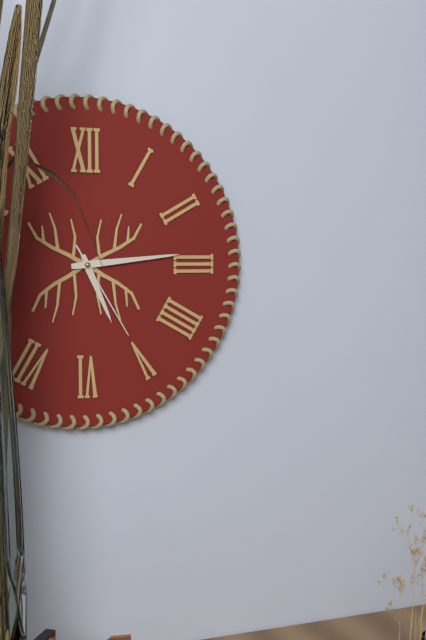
5:14:25
